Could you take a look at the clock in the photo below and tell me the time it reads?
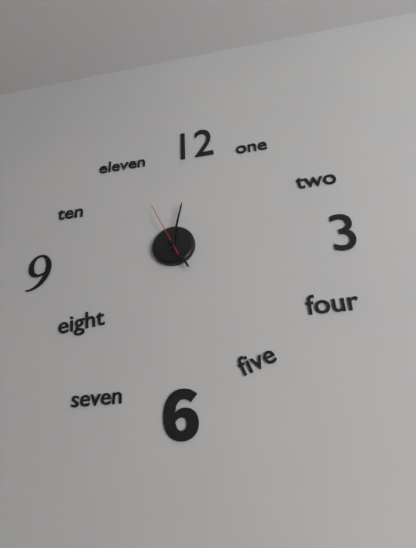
5:02:56
